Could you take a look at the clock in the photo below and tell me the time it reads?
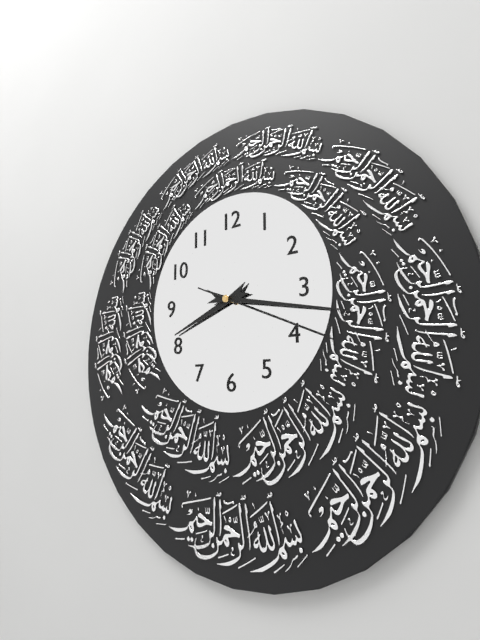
8:17:19
